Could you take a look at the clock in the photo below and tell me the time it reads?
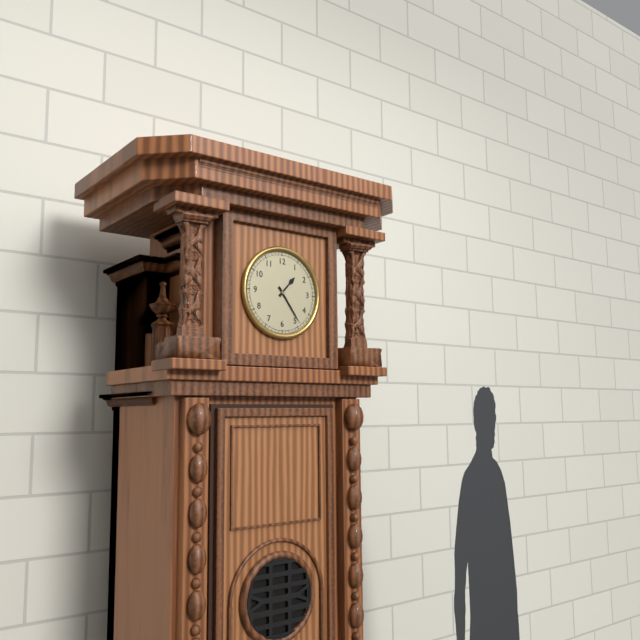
1:24
